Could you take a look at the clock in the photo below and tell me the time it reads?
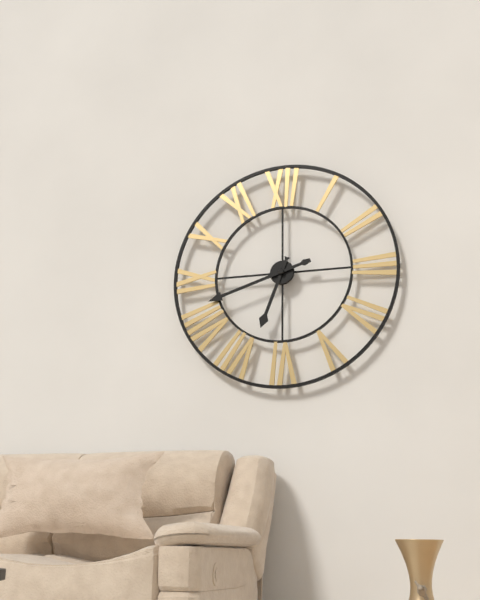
6:42
